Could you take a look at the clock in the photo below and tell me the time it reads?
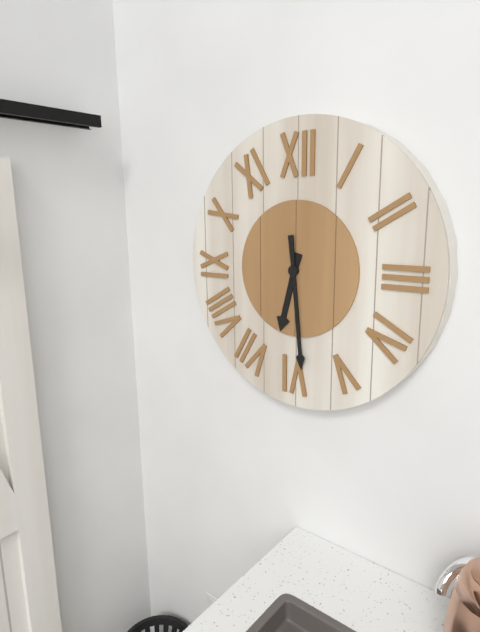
6:29
